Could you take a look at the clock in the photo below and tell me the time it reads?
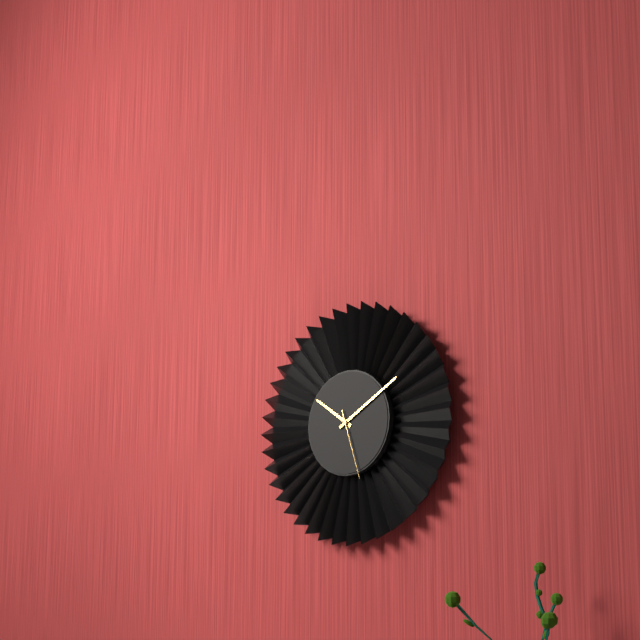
10:10:27
